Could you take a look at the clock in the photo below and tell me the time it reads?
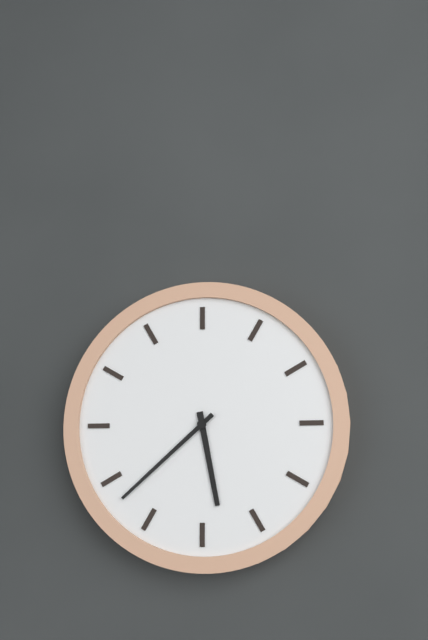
5:38
